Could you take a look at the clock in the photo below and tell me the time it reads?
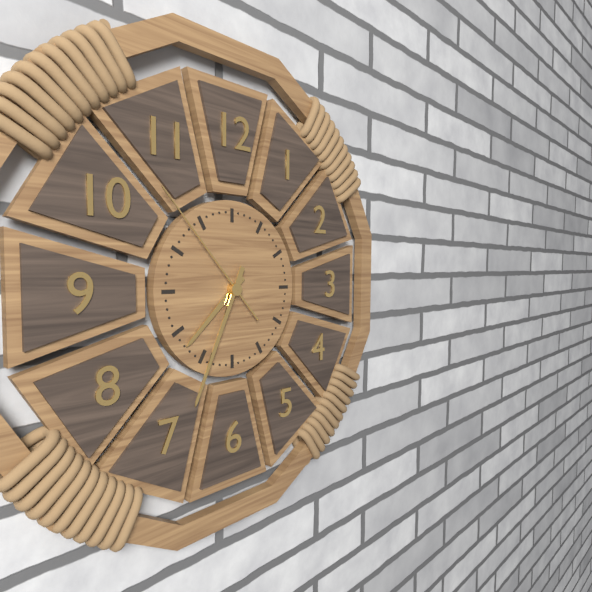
7:34:53
